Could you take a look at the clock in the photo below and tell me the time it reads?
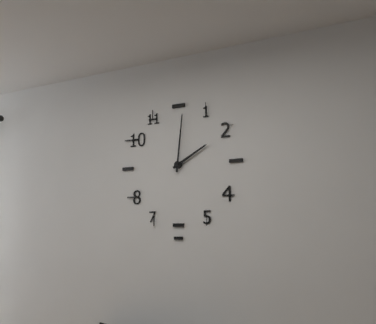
2:01
